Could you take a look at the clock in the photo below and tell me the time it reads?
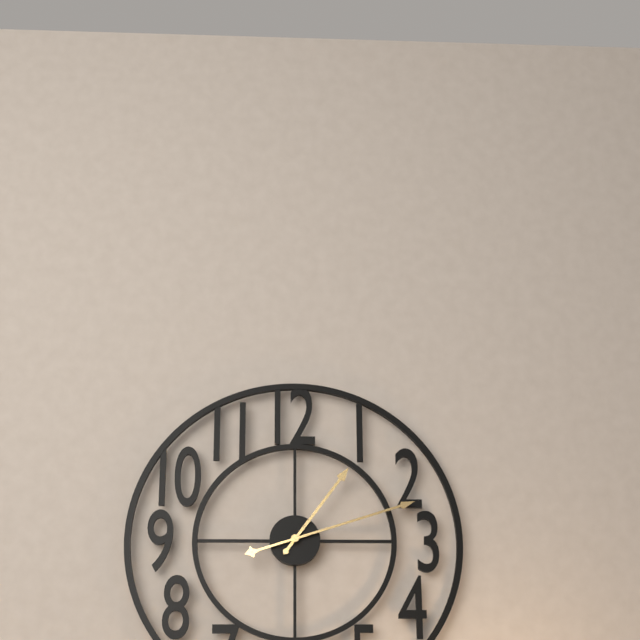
1:12
